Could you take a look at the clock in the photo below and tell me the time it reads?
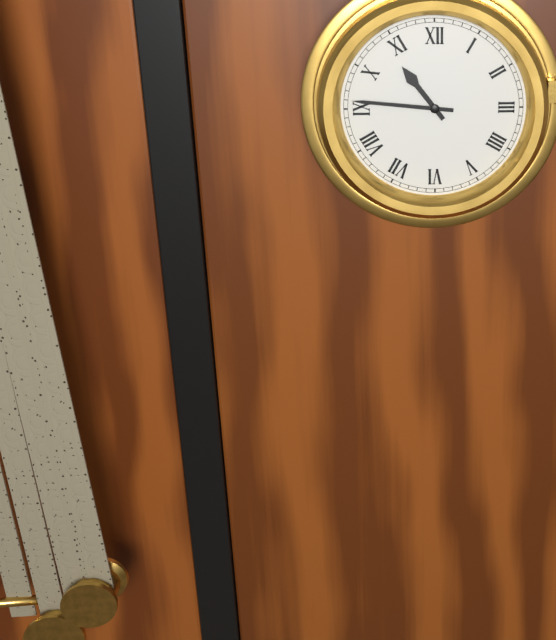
10:46
